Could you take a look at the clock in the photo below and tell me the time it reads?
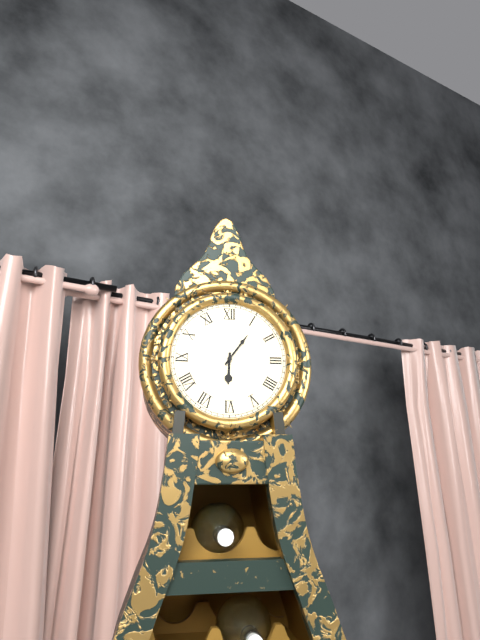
6:06
